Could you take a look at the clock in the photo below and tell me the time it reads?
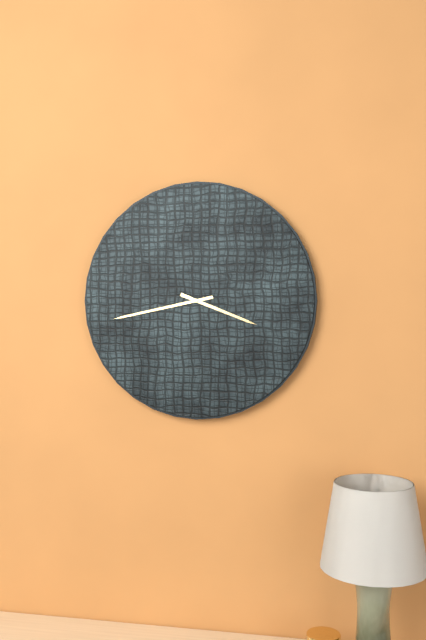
3:43
